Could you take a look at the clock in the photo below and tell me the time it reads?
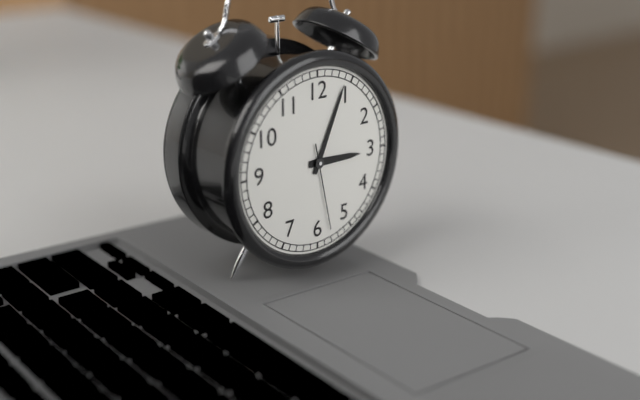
3:04:28
